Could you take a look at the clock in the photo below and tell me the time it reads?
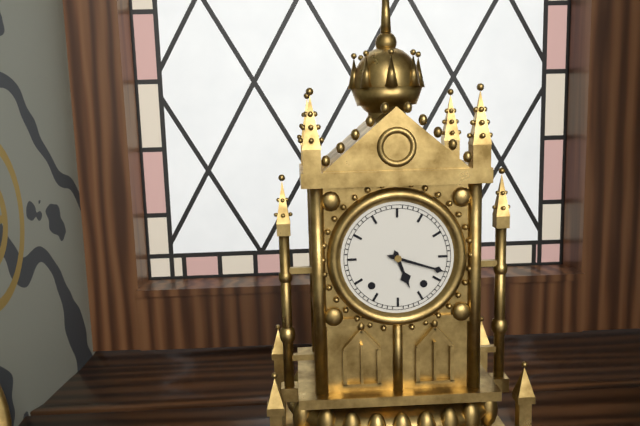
5:18
